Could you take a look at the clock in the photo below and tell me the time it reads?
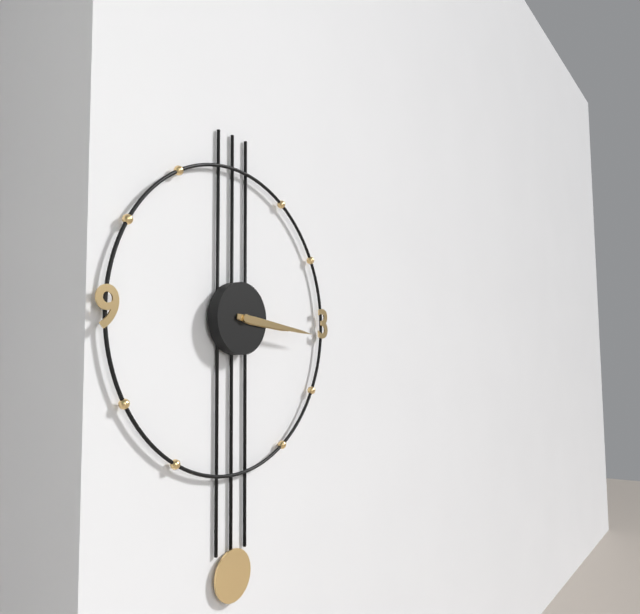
3:16
